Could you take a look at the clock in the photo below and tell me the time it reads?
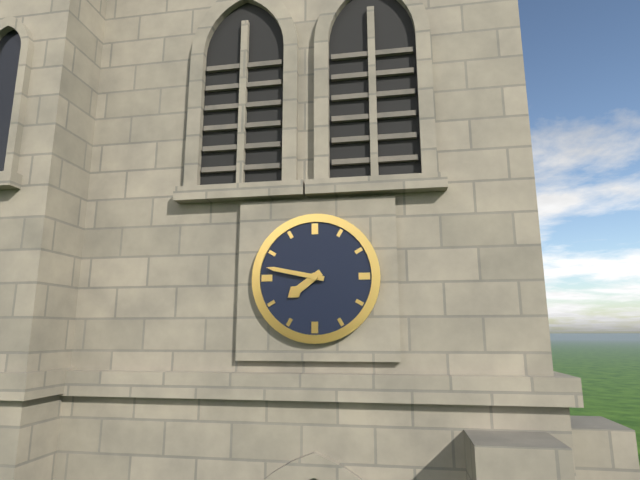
7:47
